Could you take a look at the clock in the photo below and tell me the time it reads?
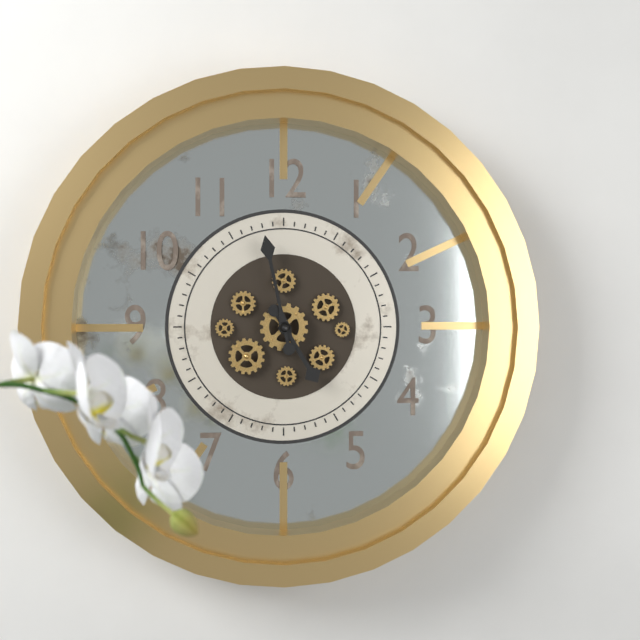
4:58
